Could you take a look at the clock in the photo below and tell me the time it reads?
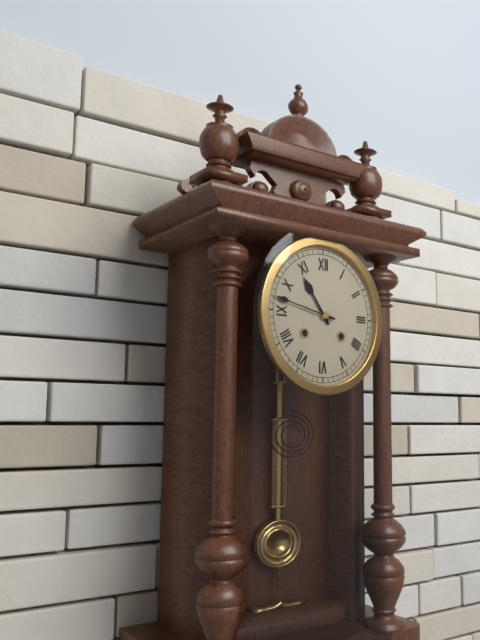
10:47
